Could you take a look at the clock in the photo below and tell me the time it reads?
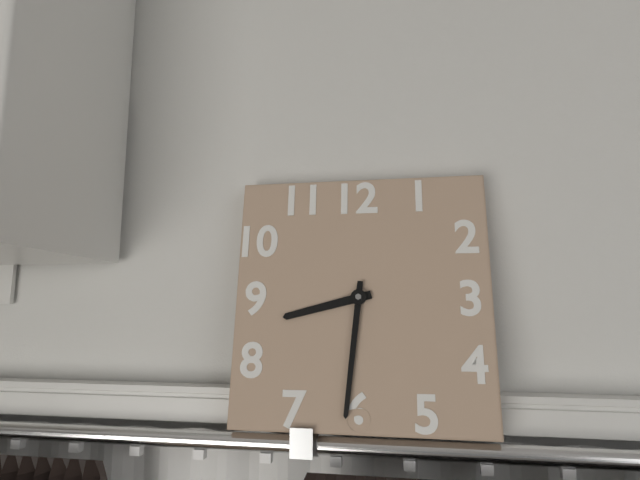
8:31
